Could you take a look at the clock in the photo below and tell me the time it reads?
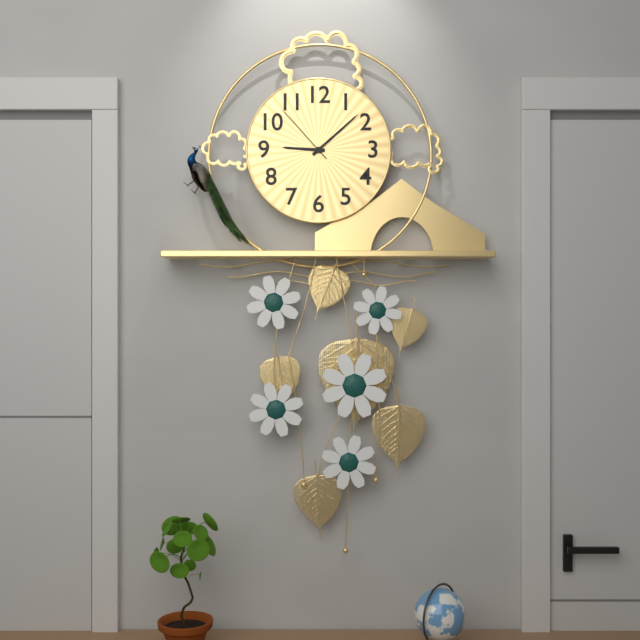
9:08:53
